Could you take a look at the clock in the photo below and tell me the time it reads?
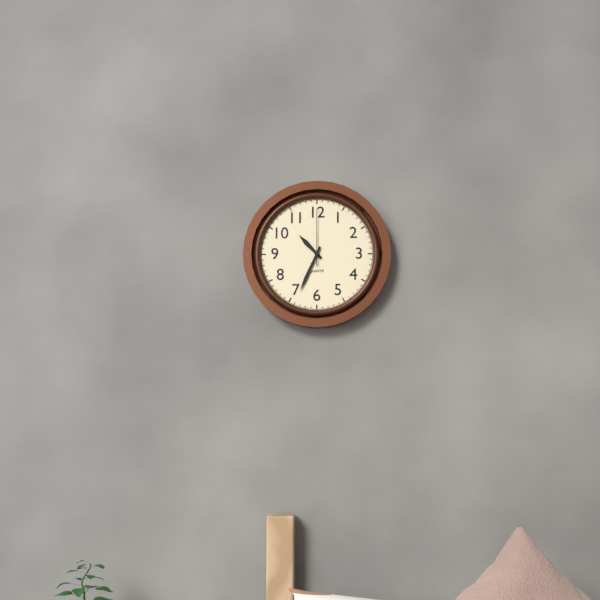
10:34:00
